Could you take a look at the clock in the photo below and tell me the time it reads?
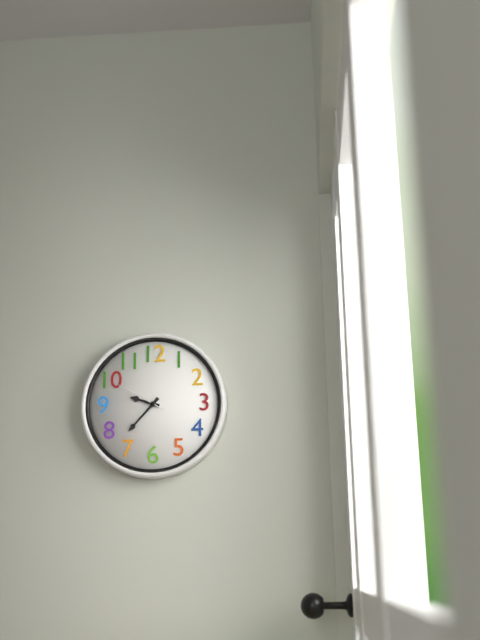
9:37:50
